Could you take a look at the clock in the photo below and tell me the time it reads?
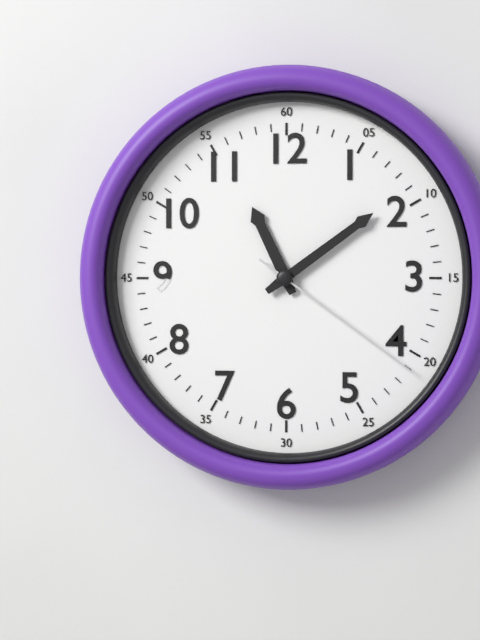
11:09:21
